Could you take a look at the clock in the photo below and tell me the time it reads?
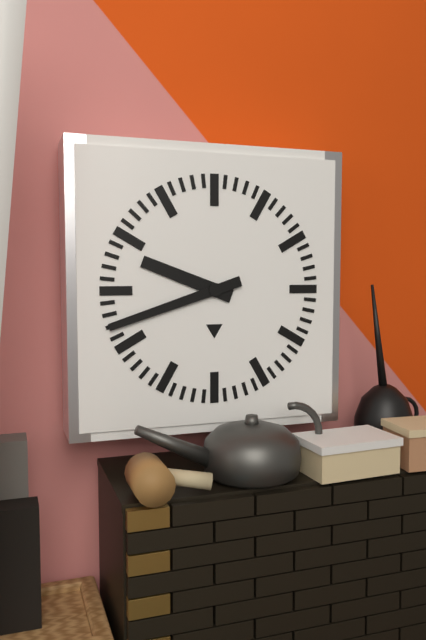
9:42
